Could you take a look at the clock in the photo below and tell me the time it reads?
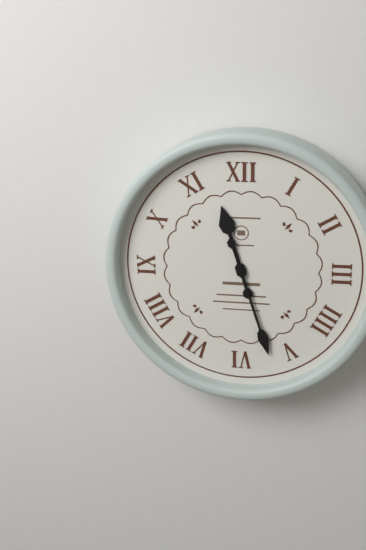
11:27
